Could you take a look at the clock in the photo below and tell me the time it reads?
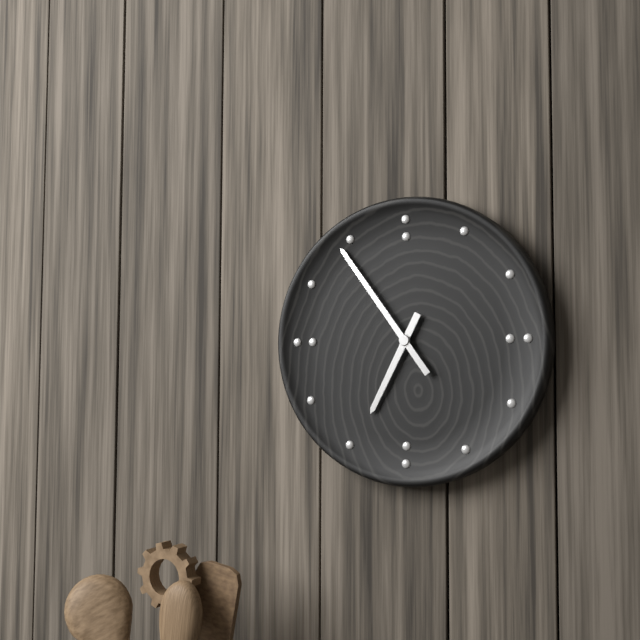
6:54
